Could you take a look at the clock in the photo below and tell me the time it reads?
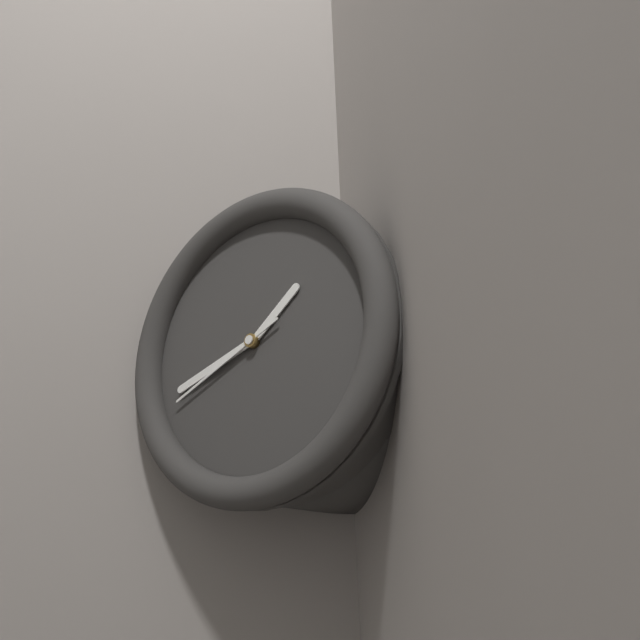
1:42:41
